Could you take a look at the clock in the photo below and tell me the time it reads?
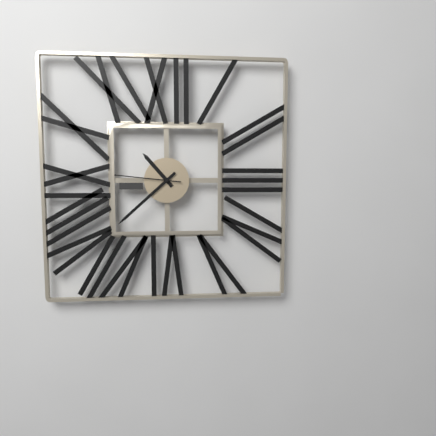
10:38:46
